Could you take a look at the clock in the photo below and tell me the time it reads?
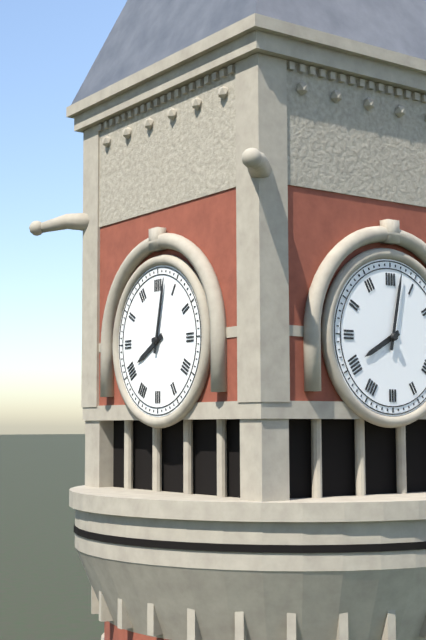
8:02
